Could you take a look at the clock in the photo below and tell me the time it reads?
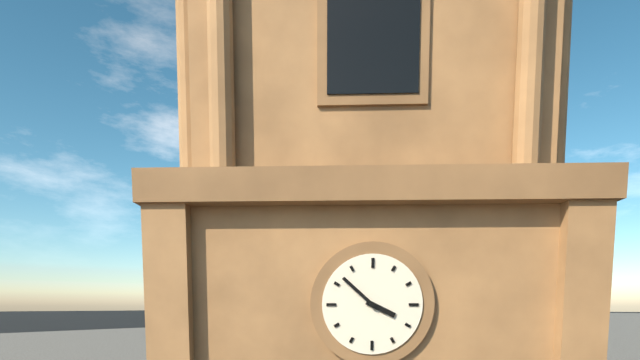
3:52
